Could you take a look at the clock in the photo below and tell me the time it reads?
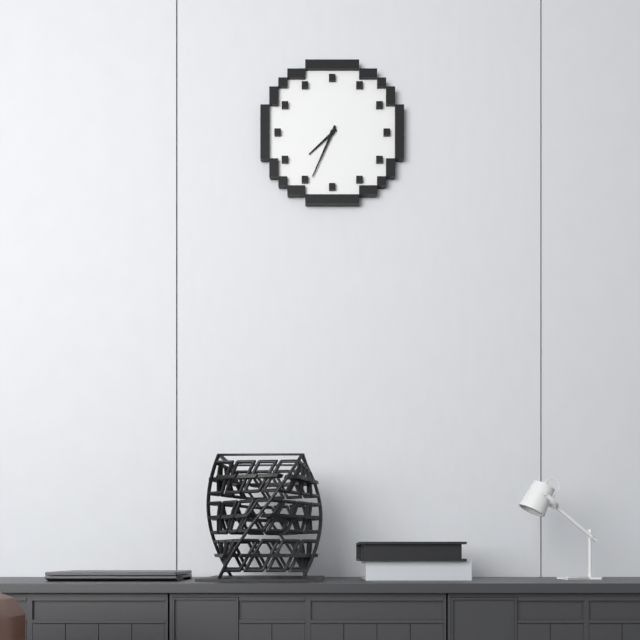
7:34
